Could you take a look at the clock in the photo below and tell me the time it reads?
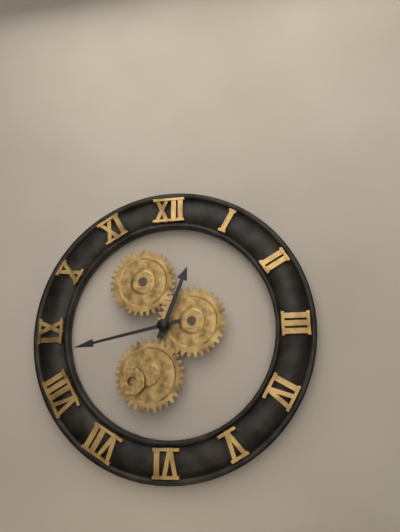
12:43
